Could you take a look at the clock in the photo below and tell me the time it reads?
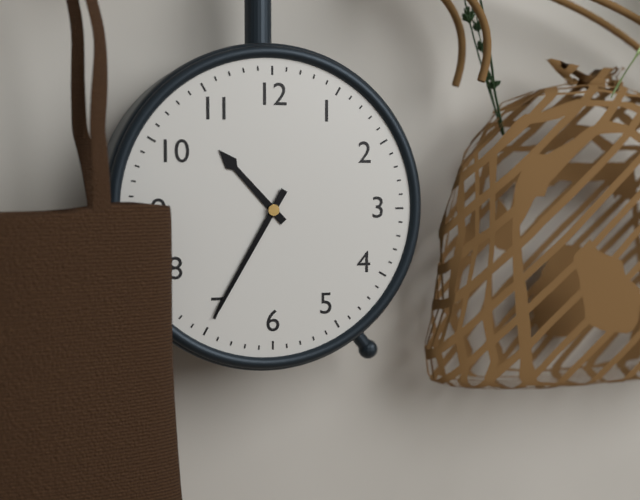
10:35
